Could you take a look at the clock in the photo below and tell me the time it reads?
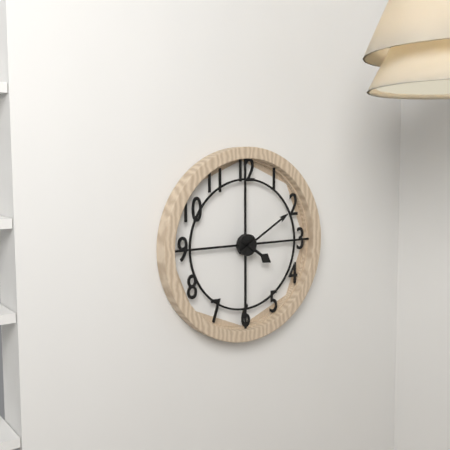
4:10
